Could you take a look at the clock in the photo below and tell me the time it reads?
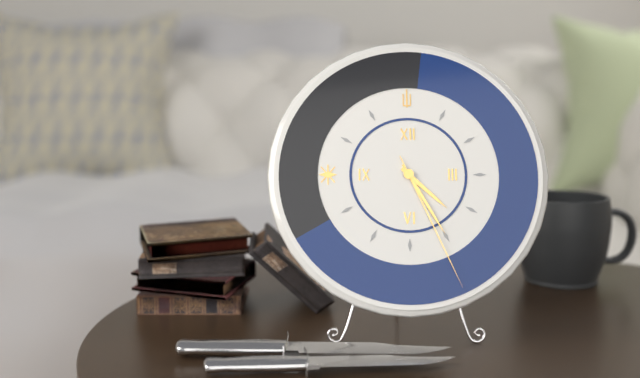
4:25:26
